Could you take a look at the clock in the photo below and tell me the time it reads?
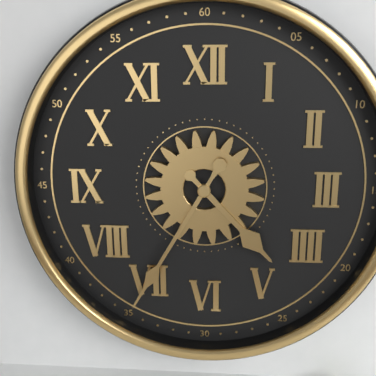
4:35
